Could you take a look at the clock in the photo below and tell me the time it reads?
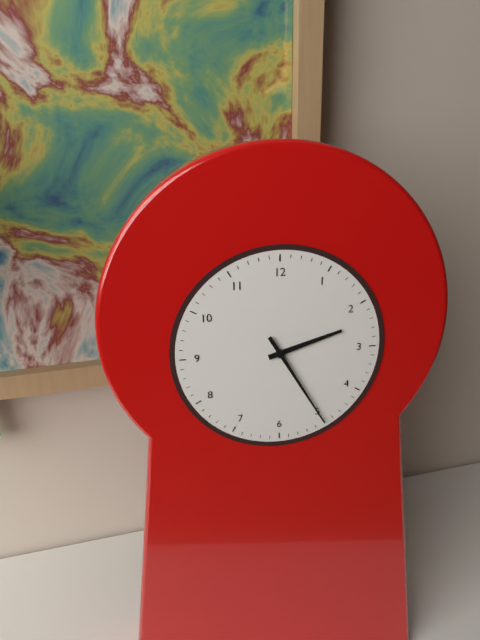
2:25
